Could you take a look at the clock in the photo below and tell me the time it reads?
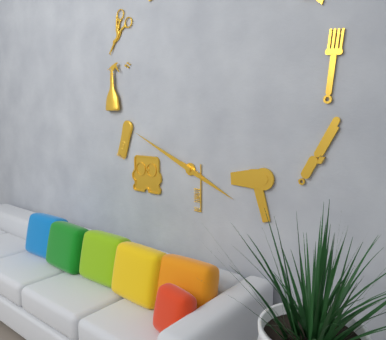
3:49
